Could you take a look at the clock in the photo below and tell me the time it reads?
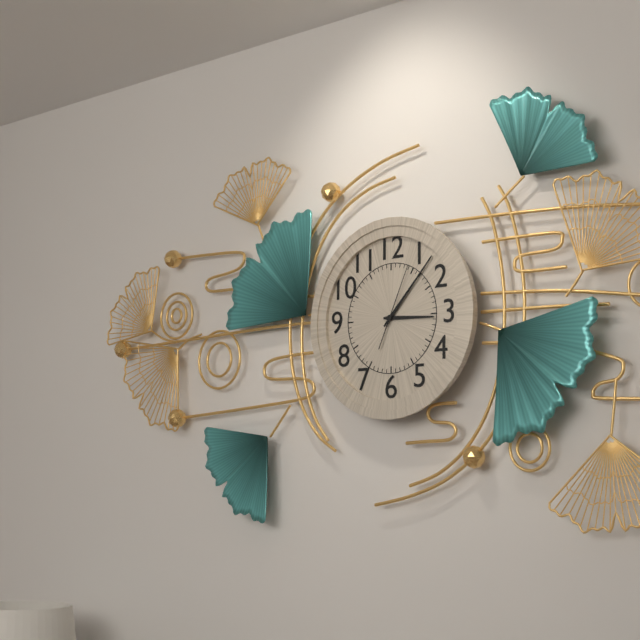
3:07:04
